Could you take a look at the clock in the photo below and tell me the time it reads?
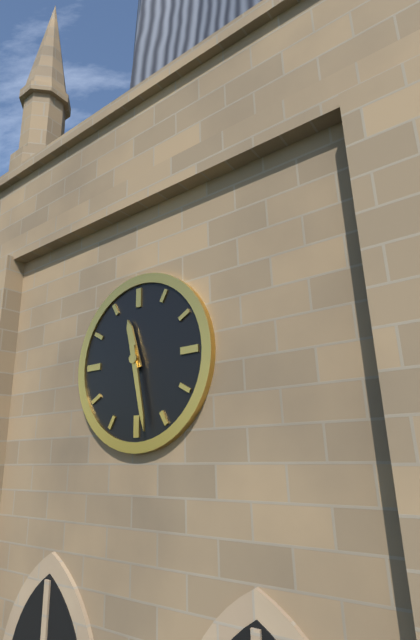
11:28
